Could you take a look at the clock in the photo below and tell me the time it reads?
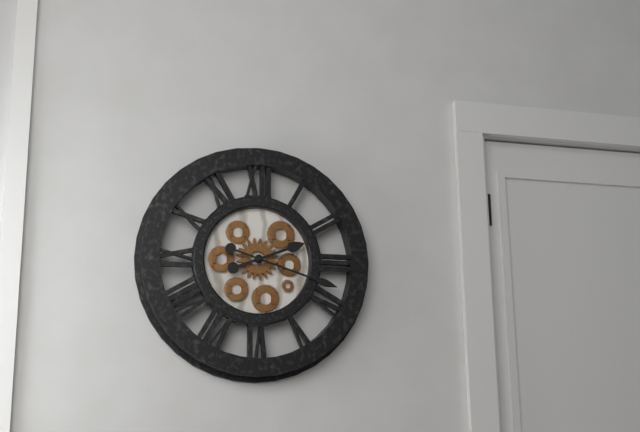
2:18
